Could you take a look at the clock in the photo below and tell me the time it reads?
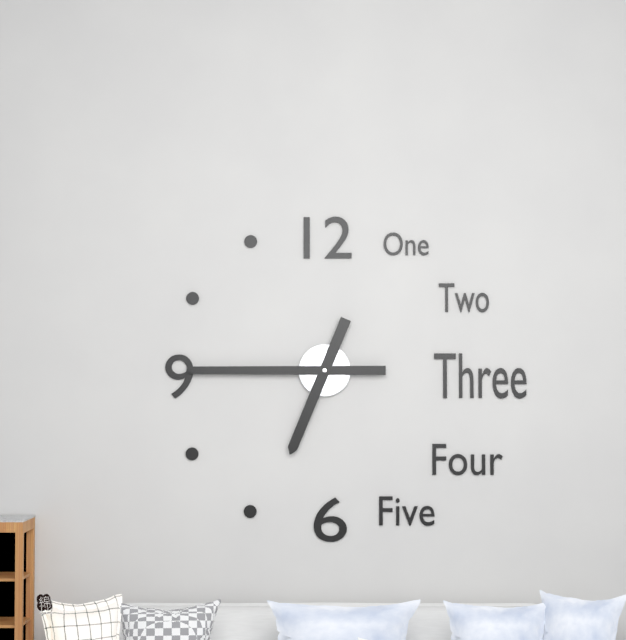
6:45
